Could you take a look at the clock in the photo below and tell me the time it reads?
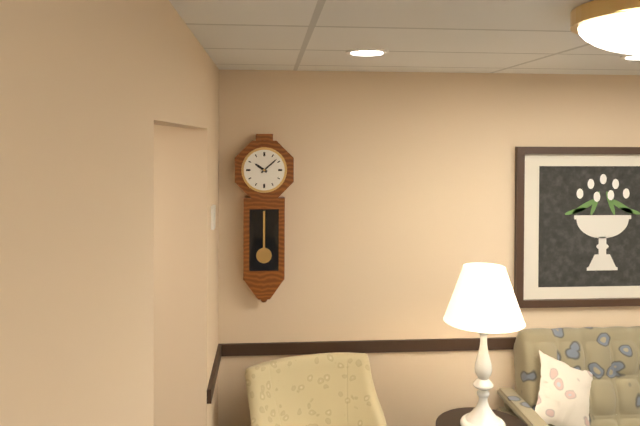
10:08
